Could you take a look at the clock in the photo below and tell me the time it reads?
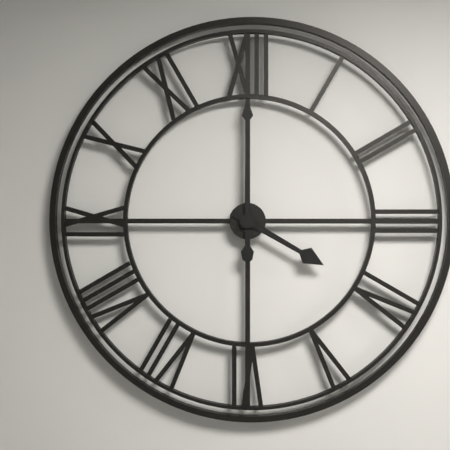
4:00
